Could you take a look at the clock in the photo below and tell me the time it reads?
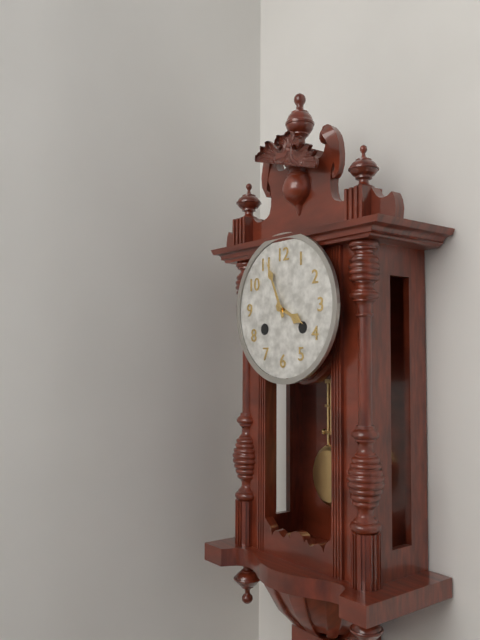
3:56
